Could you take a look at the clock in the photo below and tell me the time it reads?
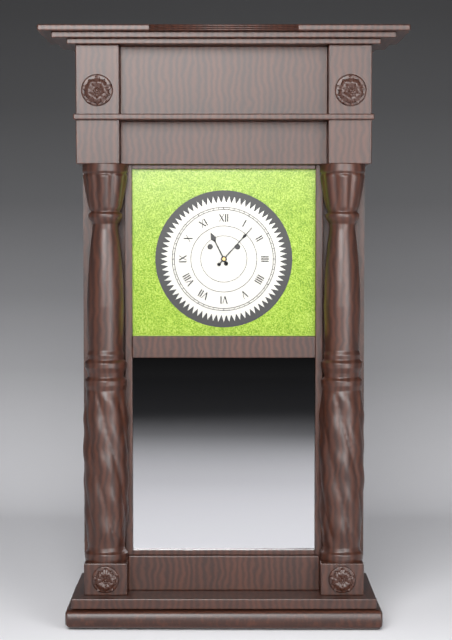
11:07
